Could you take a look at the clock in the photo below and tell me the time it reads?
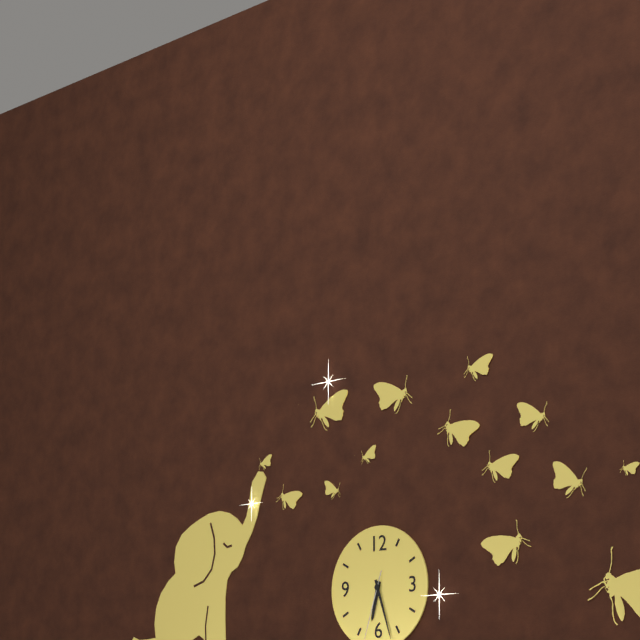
6:27
